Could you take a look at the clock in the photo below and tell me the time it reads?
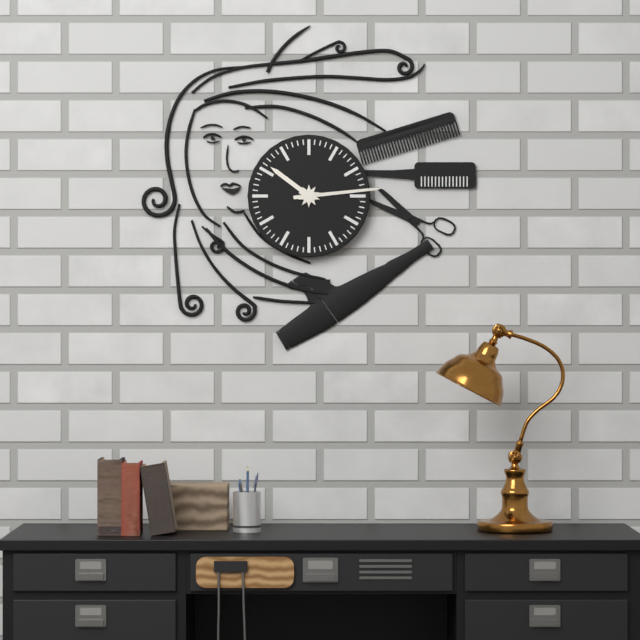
10:14
